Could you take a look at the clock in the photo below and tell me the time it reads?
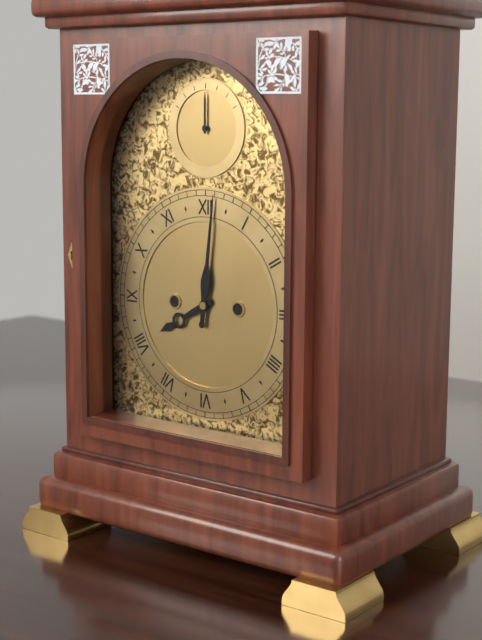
8:01
